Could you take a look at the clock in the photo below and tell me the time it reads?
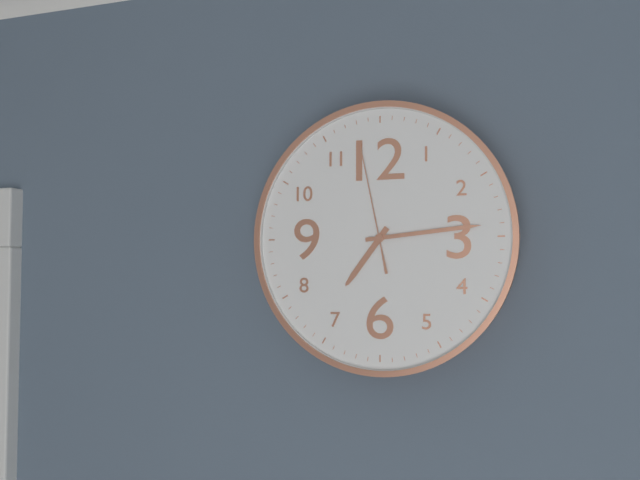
7:14:58
